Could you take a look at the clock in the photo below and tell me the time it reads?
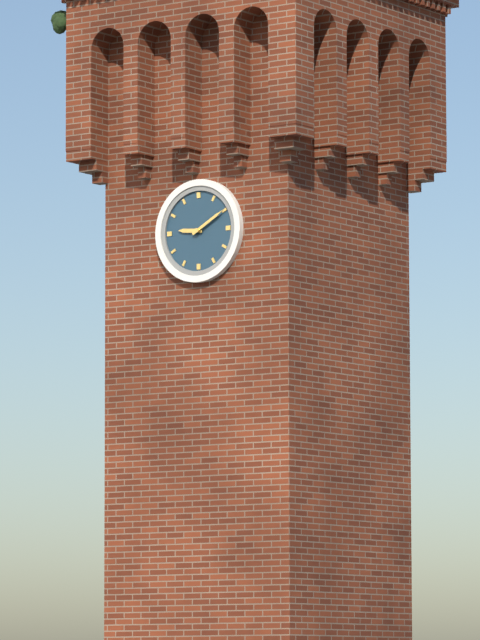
9:10
